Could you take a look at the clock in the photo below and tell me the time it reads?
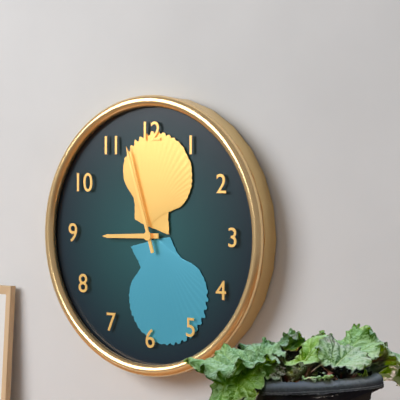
8:57
